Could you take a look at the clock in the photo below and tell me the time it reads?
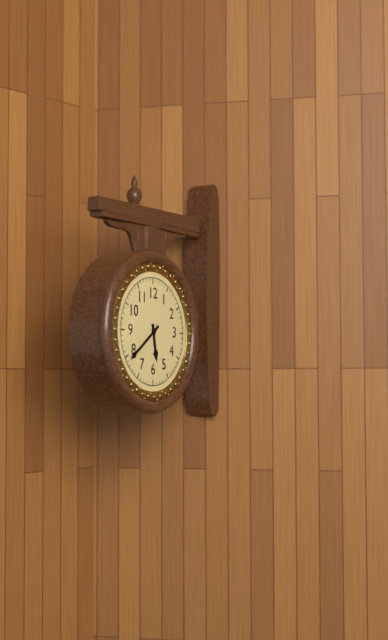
5:39
